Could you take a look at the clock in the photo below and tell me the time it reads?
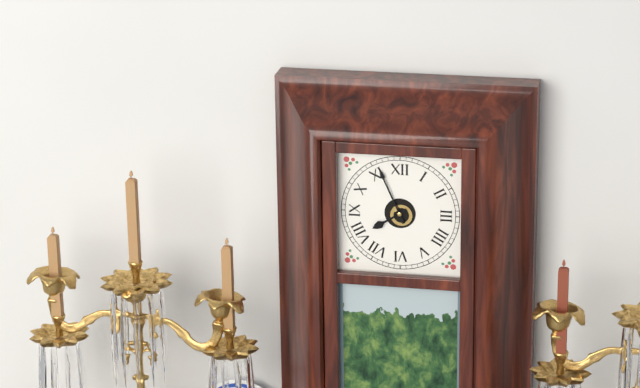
7:56
